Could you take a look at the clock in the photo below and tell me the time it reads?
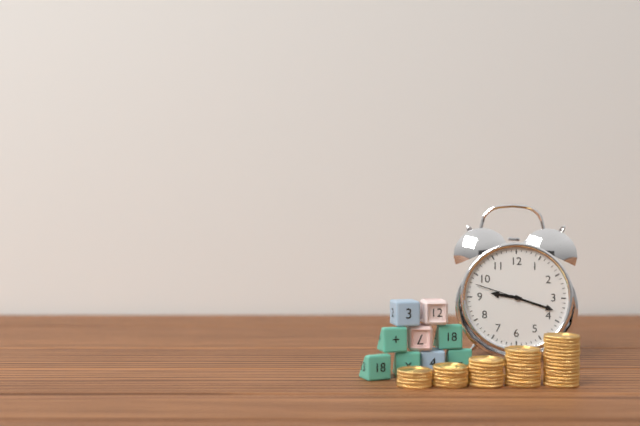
9:18:48
